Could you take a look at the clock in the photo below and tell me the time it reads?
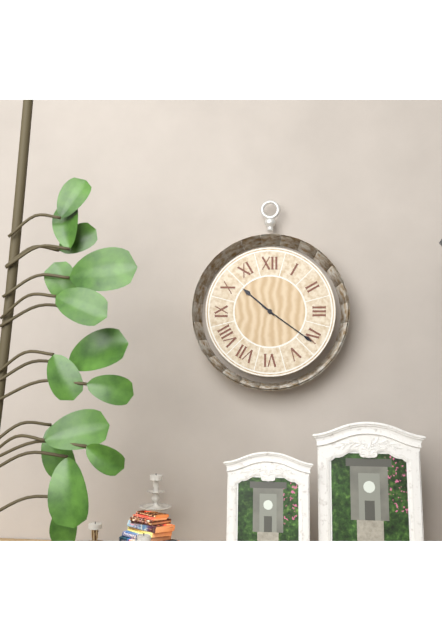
10:21
